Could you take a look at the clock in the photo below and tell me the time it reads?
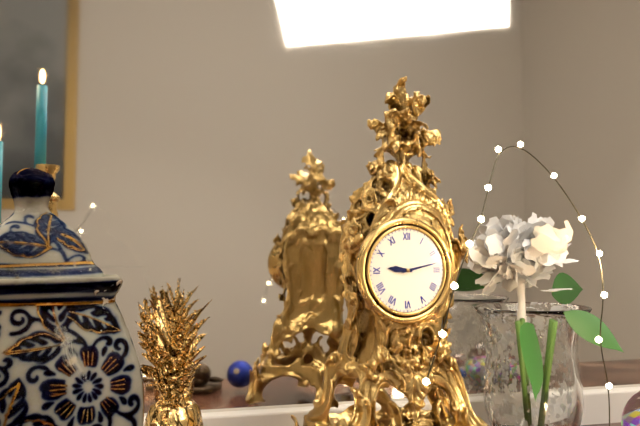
9:13
